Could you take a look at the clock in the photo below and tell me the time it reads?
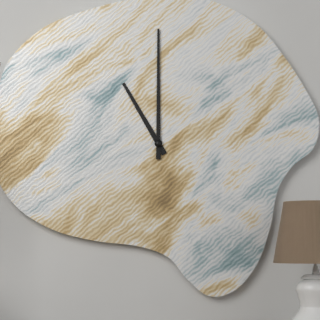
11:00
